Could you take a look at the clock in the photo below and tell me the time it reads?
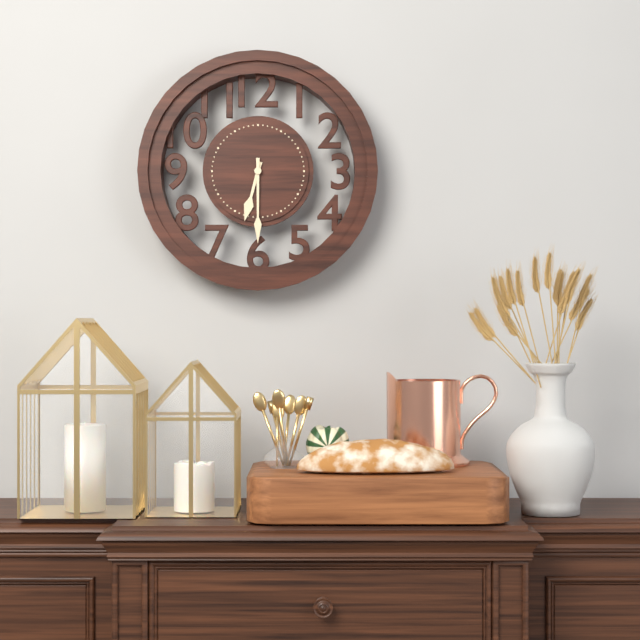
6:30
